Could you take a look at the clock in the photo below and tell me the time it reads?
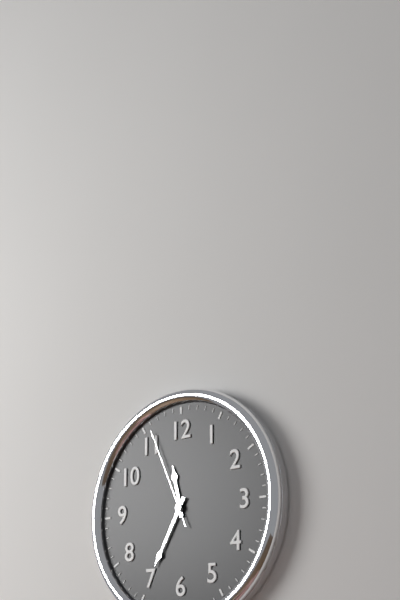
11:35:56
